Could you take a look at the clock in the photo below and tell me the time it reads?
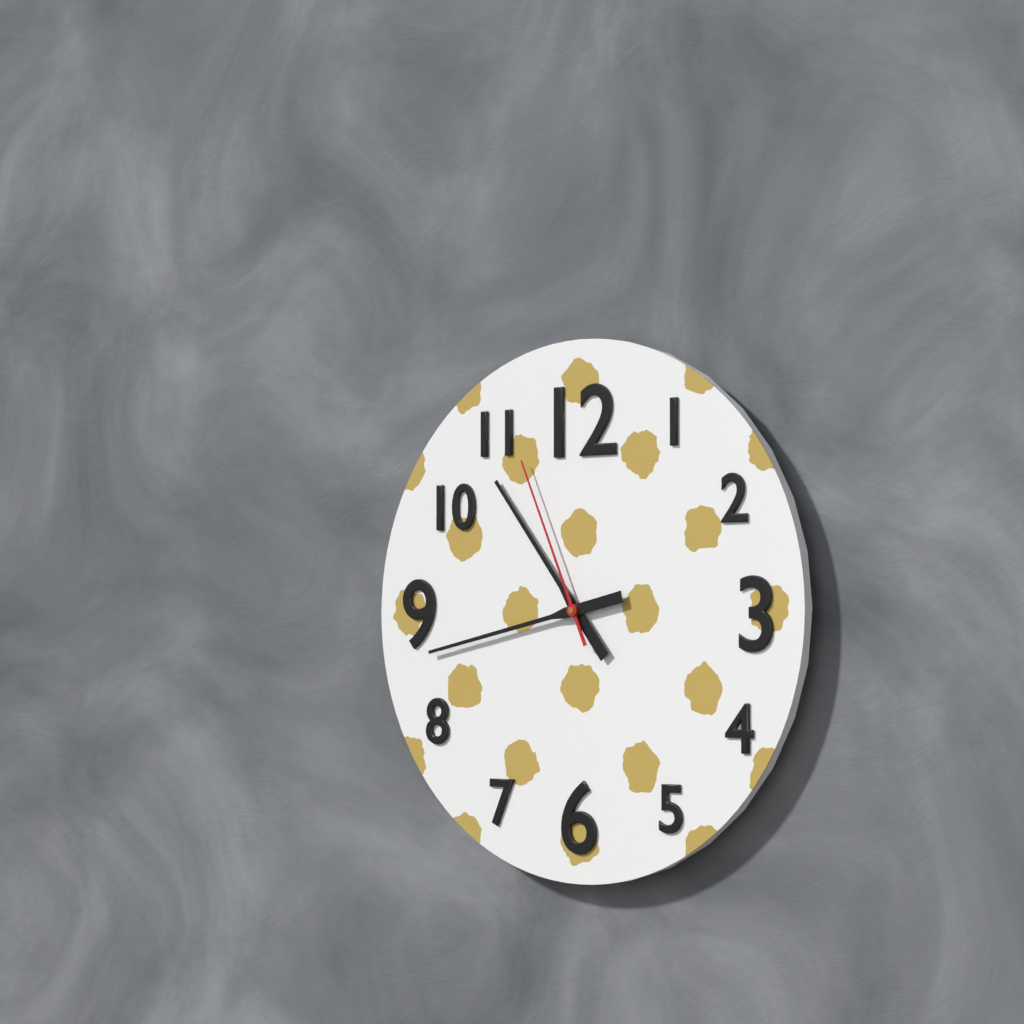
10:43:56
